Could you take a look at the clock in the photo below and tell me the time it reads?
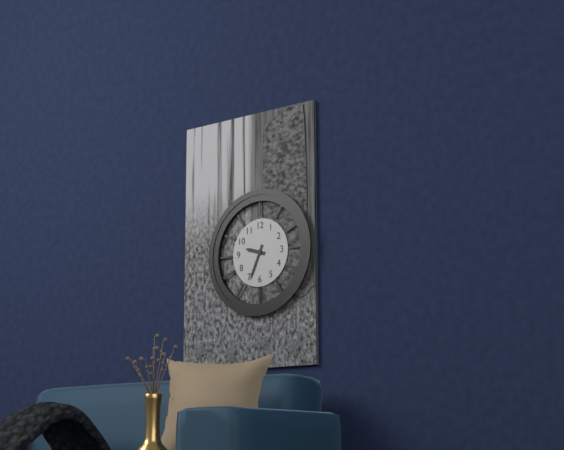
9:34
